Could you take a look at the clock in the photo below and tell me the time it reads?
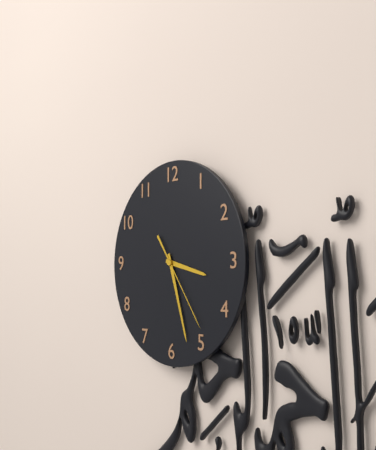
3:27:24
